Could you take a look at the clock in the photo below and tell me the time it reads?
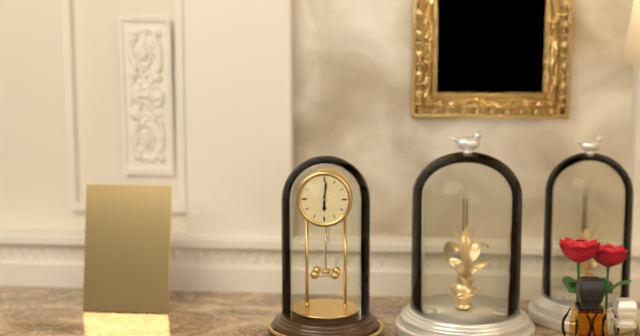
6:01
